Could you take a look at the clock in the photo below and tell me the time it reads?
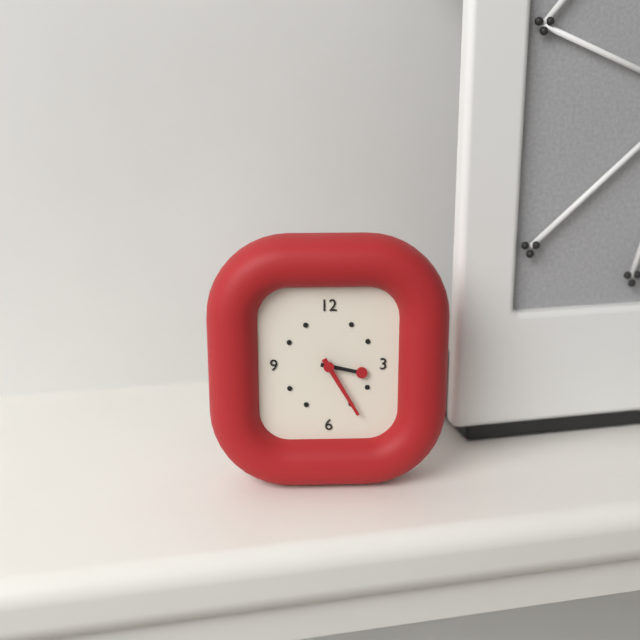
3:25
